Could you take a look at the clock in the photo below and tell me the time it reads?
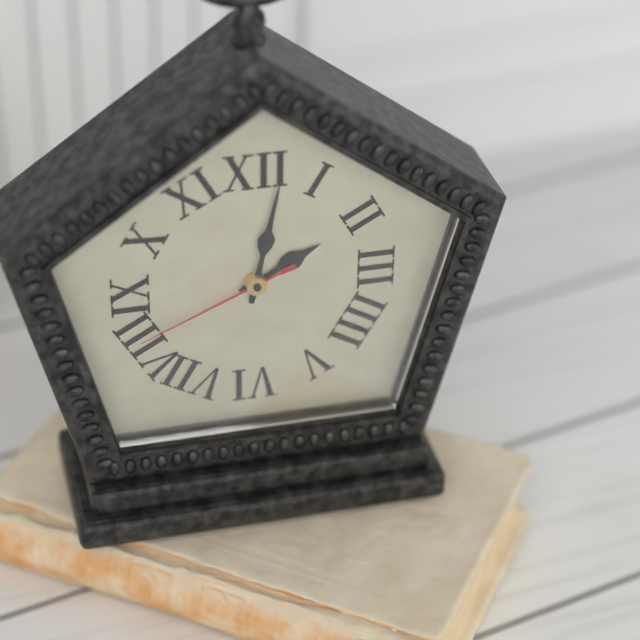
2:02:41
